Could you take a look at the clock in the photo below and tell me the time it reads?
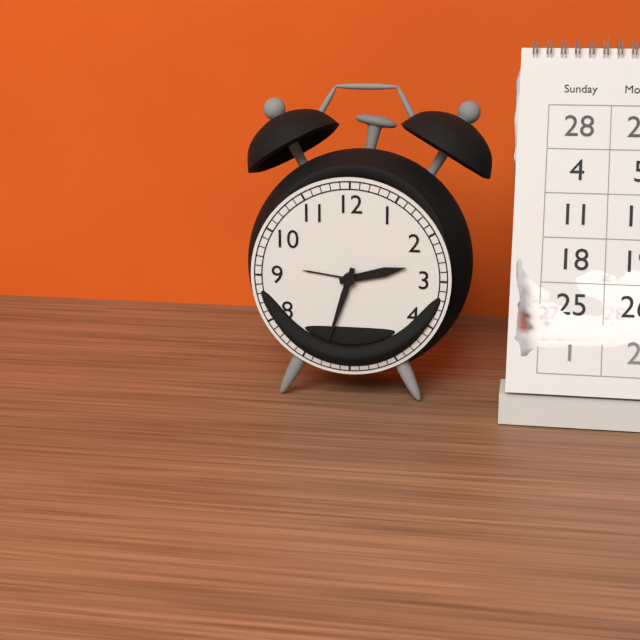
2:33
